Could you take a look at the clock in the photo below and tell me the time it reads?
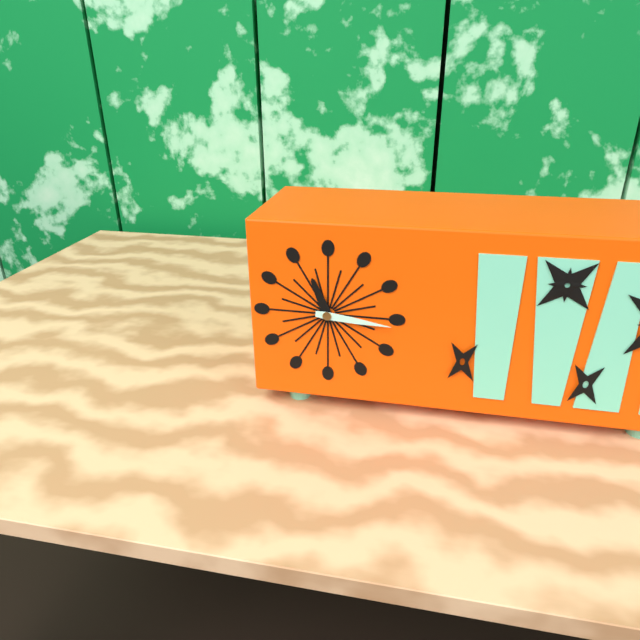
11:16
